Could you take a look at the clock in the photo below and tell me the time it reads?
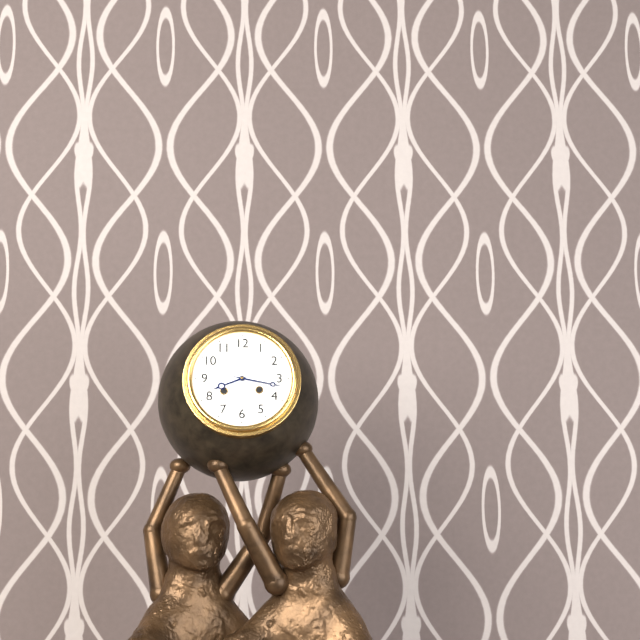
8:17
